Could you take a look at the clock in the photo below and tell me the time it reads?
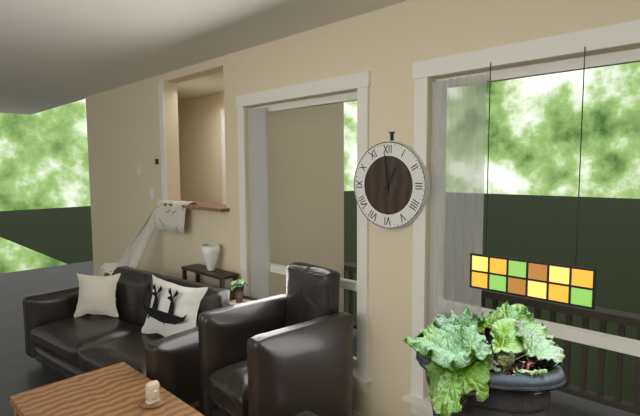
12:59
